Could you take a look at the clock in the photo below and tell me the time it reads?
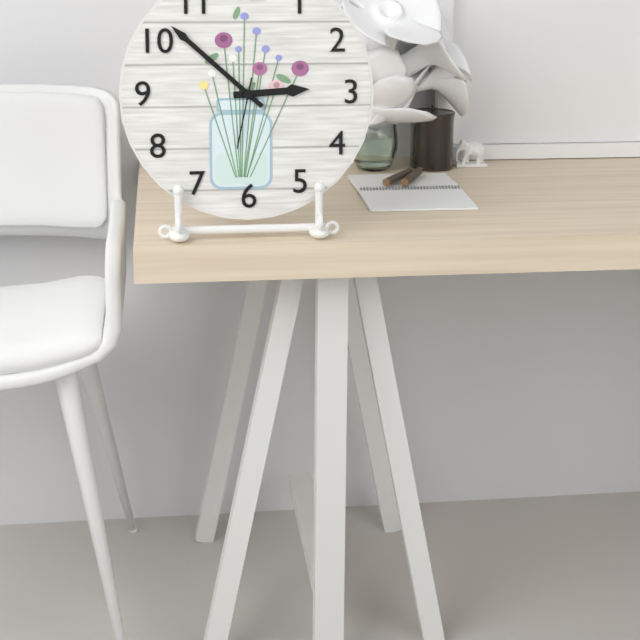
2:52:32
